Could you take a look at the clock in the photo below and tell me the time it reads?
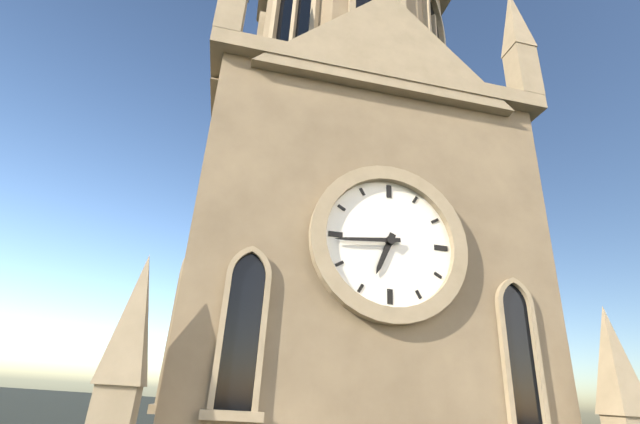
6:44
